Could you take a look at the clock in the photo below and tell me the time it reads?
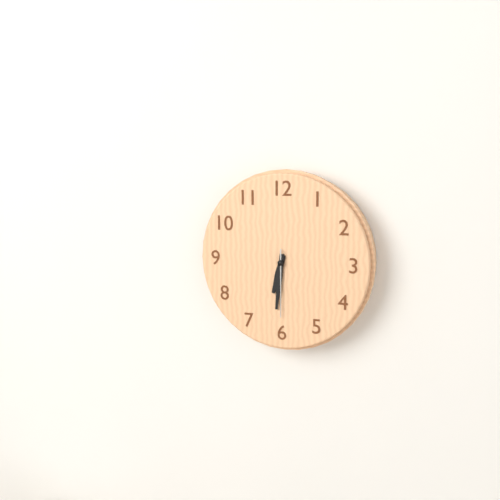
6:31:30
